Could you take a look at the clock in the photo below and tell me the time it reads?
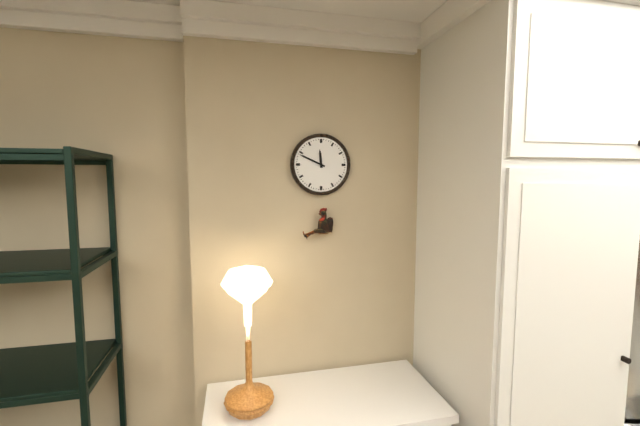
11:49
